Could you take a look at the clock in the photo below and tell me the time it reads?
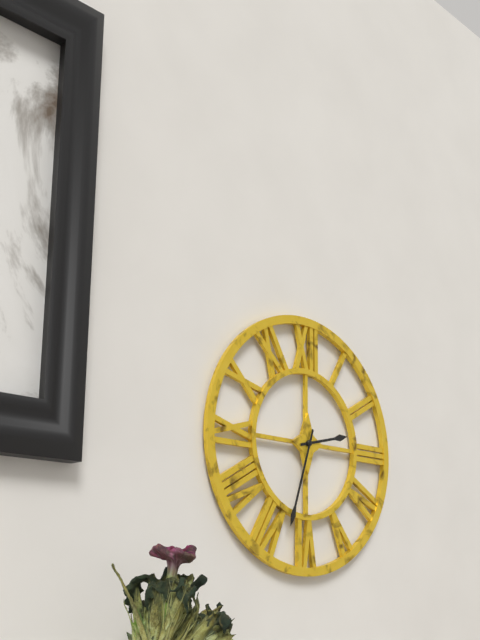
2:33
